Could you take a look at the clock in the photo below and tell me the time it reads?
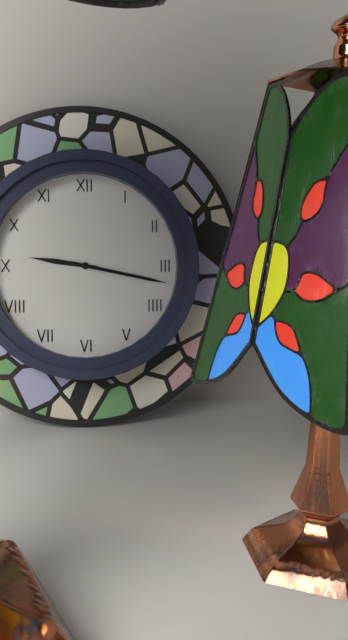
9:17
